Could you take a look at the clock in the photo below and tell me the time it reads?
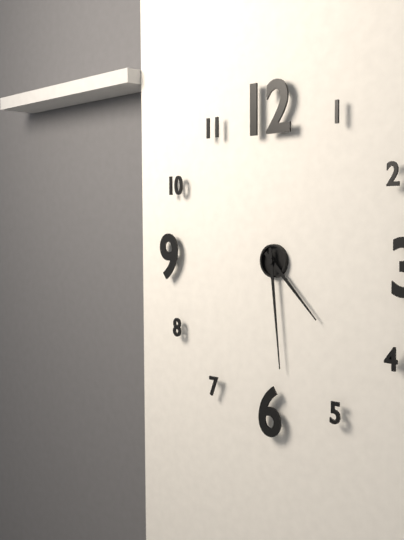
4:29
